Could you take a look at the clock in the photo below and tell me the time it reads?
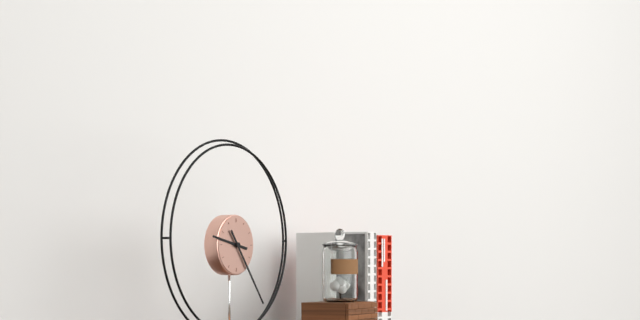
9:24
